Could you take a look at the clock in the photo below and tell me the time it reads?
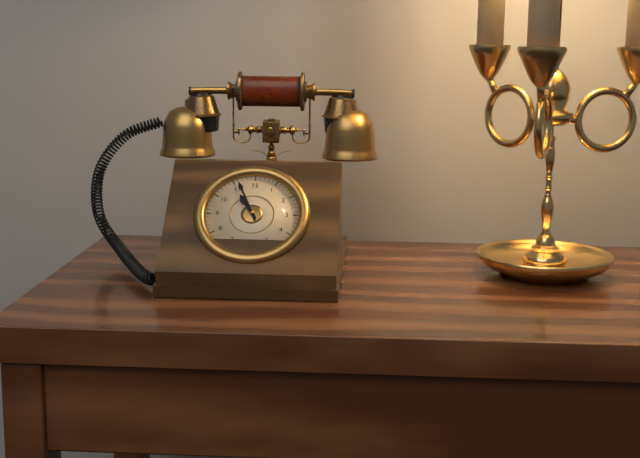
10:56
